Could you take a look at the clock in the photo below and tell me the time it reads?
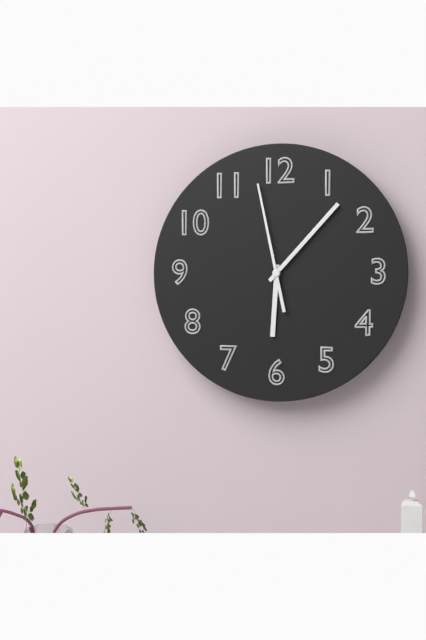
6:07:58
